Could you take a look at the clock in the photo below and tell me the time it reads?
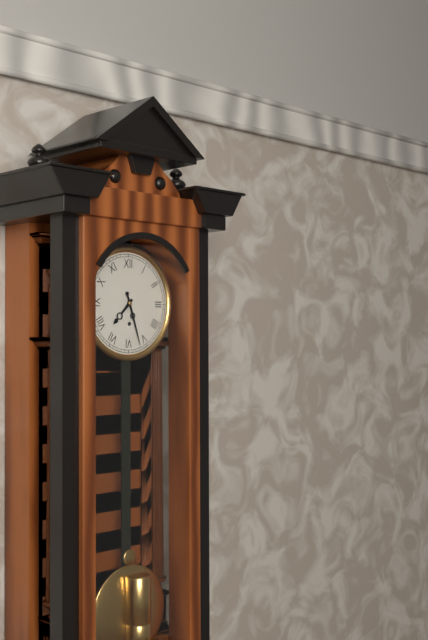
7:27
